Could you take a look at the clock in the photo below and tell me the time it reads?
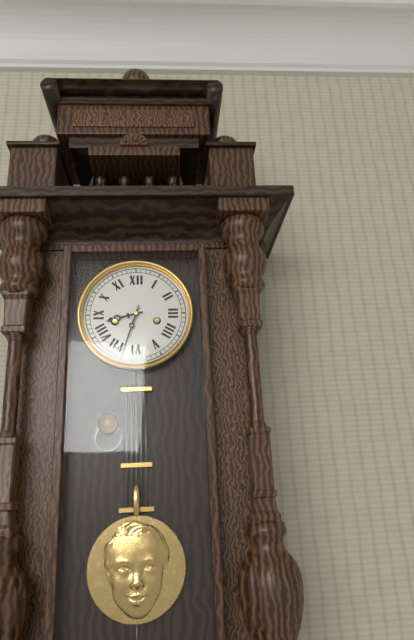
8:33
